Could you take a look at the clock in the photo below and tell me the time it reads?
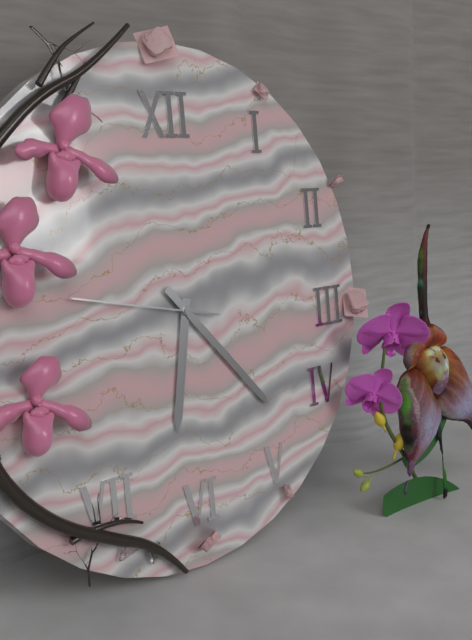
6:23:47
